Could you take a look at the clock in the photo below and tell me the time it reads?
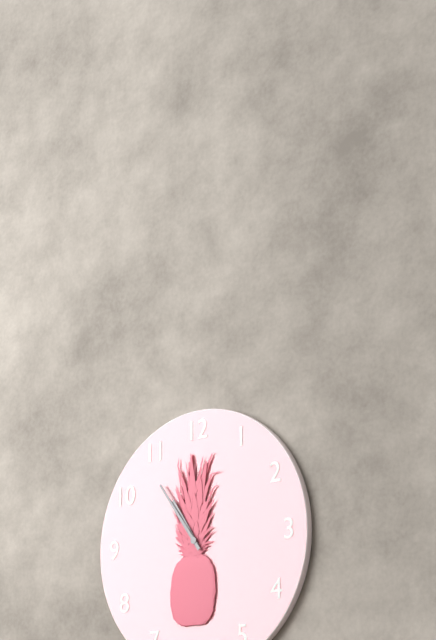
10:54
